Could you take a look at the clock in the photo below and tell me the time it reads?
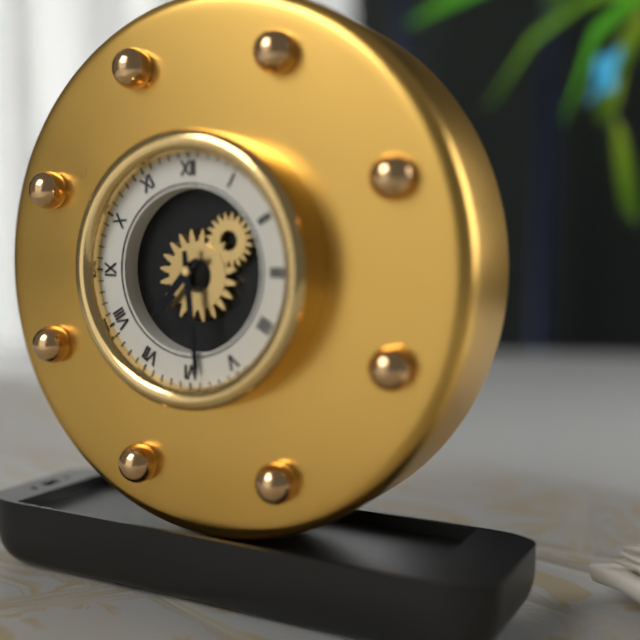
7:29
